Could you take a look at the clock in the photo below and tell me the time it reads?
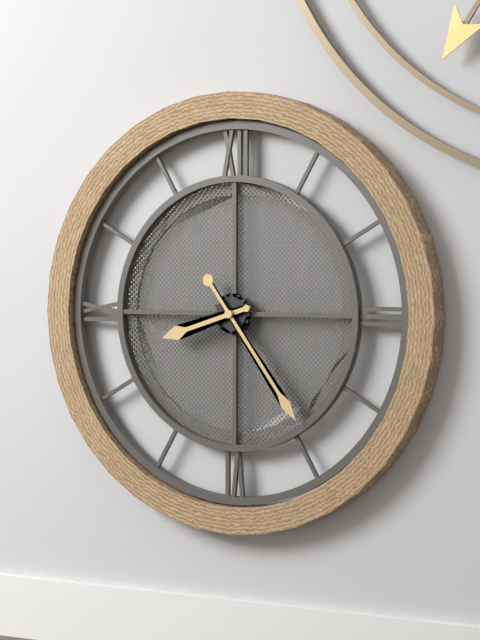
8:24
